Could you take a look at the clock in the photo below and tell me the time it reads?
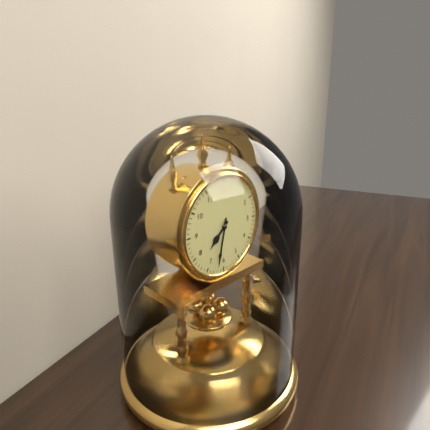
7:32
